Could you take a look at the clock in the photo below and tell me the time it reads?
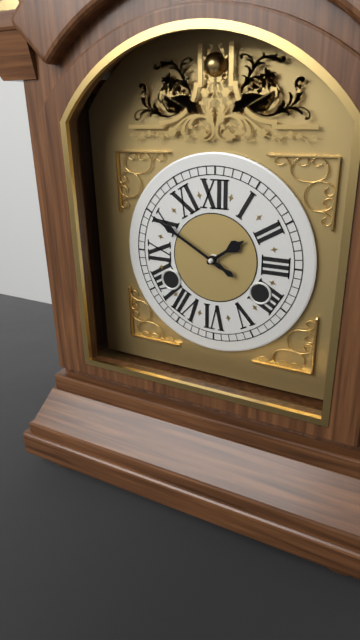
1:50
